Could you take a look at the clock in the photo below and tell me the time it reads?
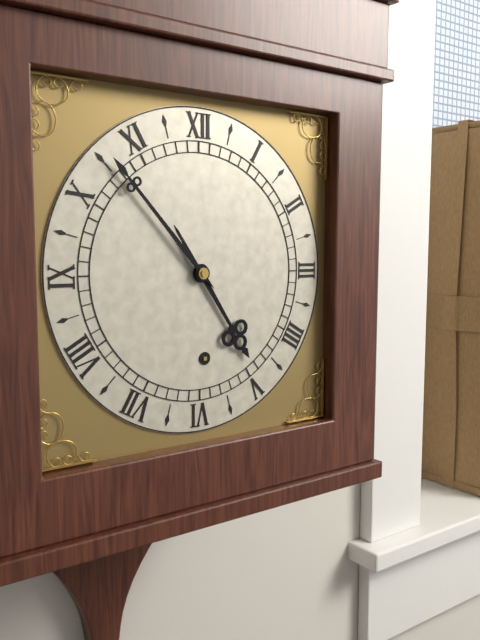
4:53
